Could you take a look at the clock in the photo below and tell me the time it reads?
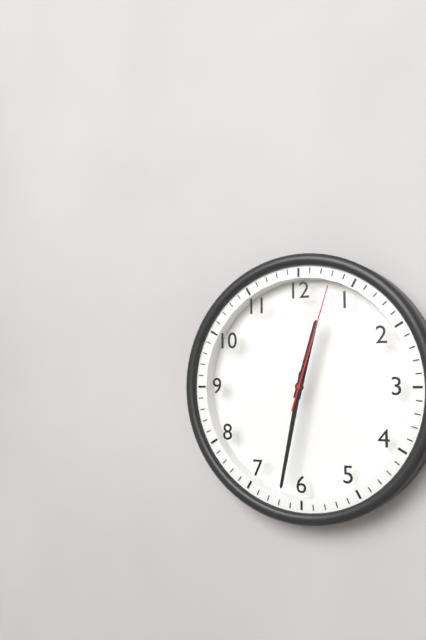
12:32:03
